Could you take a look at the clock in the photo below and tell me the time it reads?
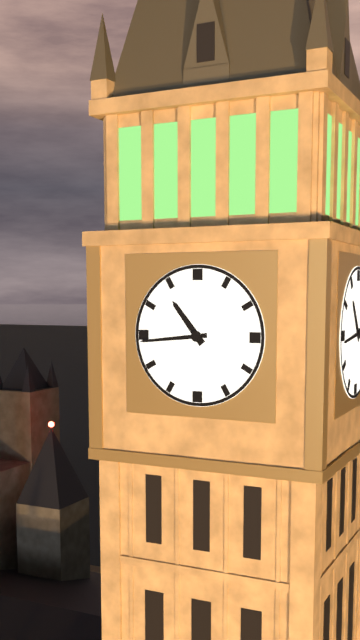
10:44
